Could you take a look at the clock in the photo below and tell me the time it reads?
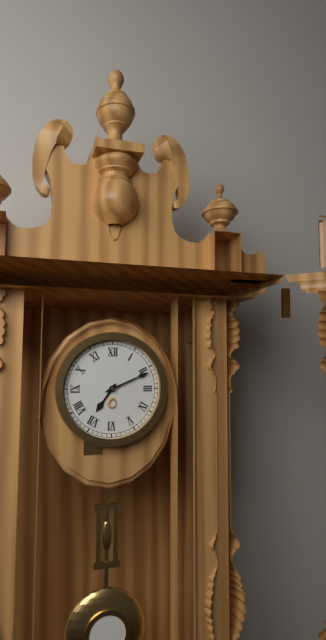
7:11
